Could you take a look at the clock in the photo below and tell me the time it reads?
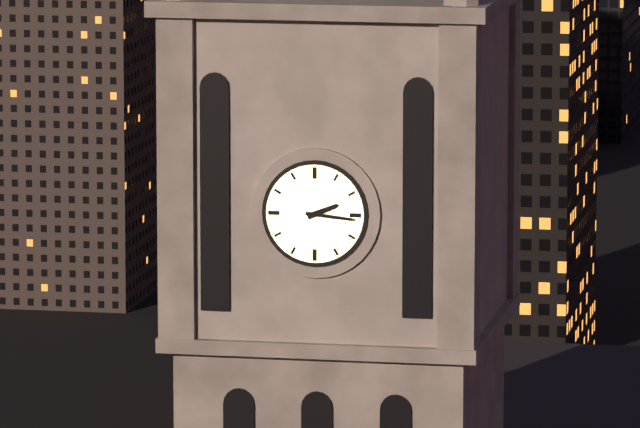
2:16
